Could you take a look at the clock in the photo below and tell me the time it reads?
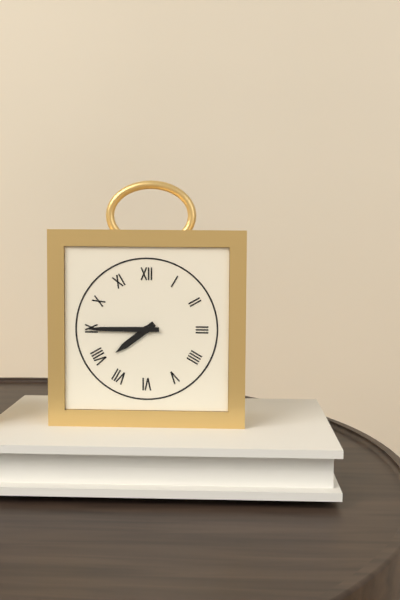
7:45
